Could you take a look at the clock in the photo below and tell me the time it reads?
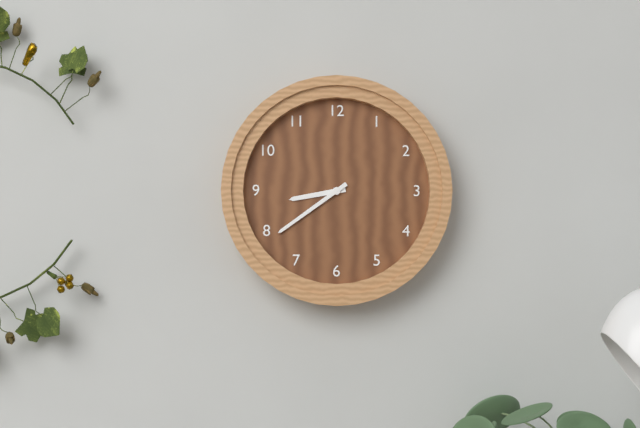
8:39
